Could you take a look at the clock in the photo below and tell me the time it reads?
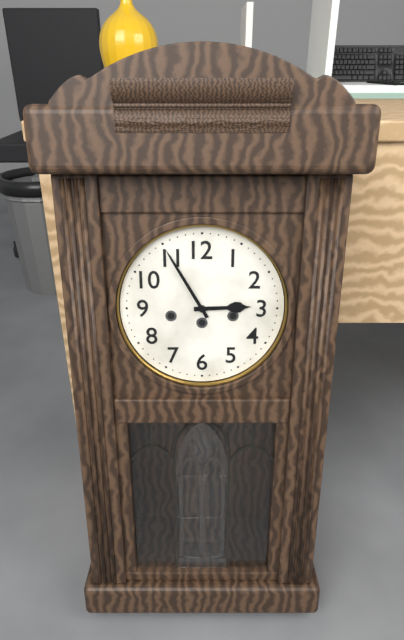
2:55
